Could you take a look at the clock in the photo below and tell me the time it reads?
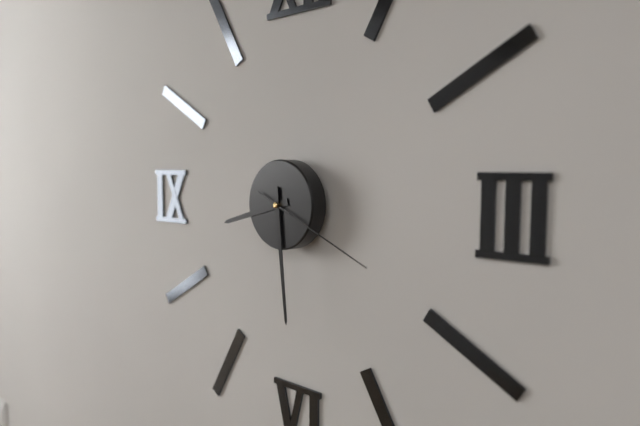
8:29:19
